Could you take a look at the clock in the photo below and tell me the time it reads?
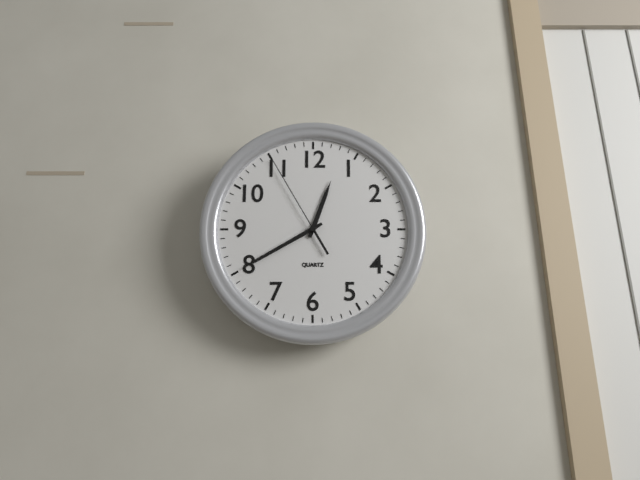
12:40:55
